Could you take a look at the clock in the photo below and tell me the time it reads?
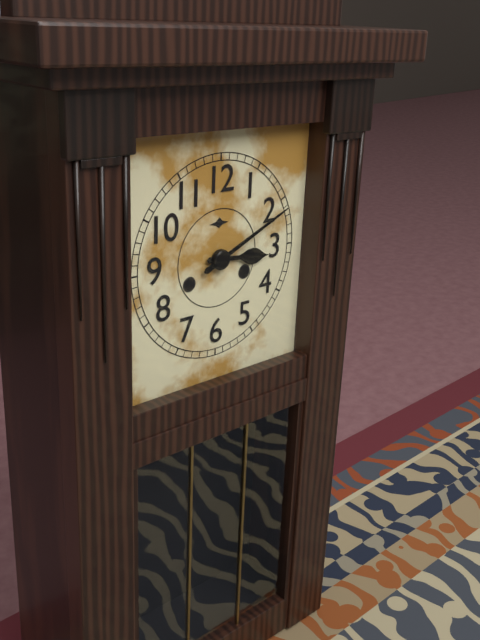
3:11
